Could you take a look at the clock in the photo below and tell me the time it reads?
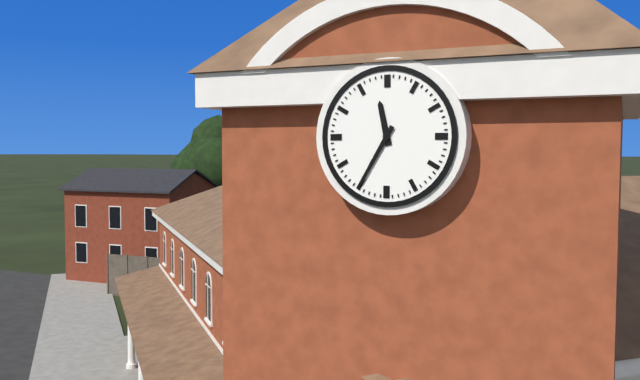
11:35
